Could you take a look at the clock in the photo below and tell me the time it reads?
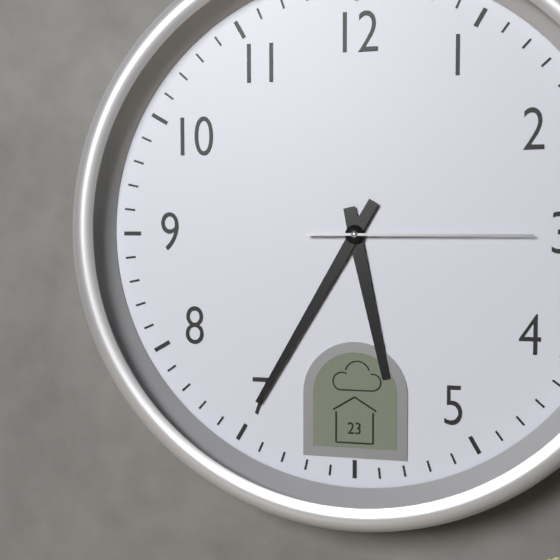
5:35:15
